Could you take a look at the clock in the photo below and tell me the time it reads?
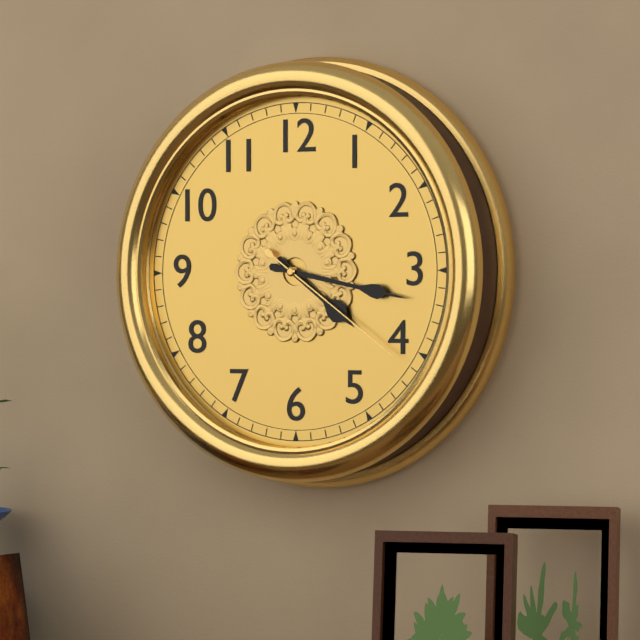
4:17:21
